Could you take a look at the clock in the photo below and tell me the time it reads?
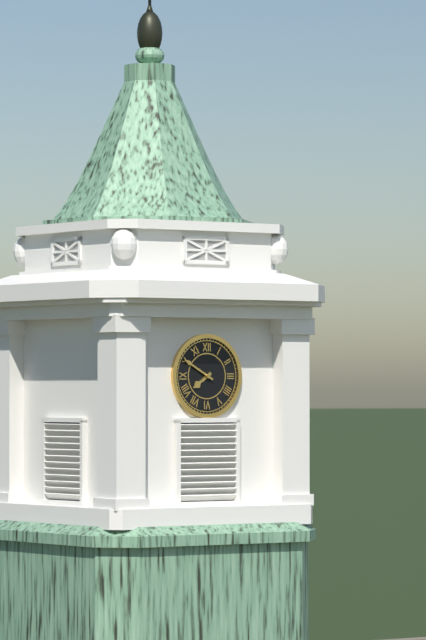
7:50
